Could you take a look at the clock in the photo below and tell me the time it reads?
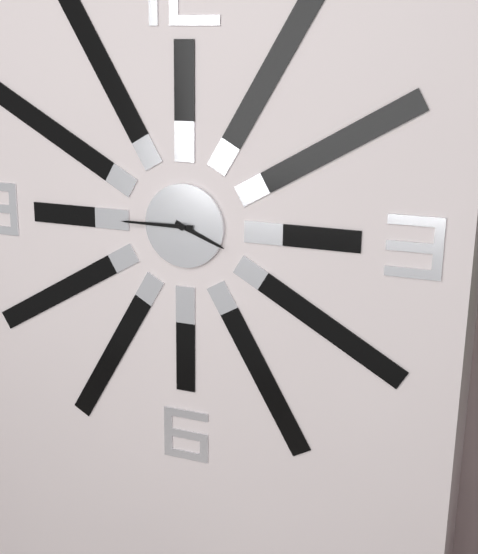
3:45
